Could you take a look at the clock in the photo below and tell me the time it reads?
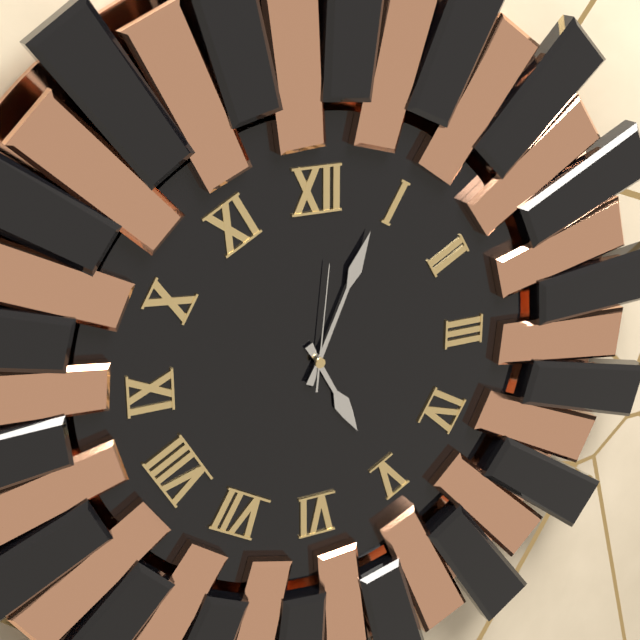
5:04:01
